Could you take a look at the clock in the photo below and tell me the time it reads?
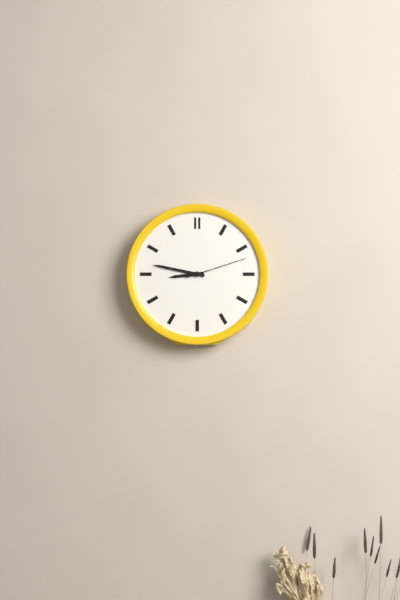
8:47:12
